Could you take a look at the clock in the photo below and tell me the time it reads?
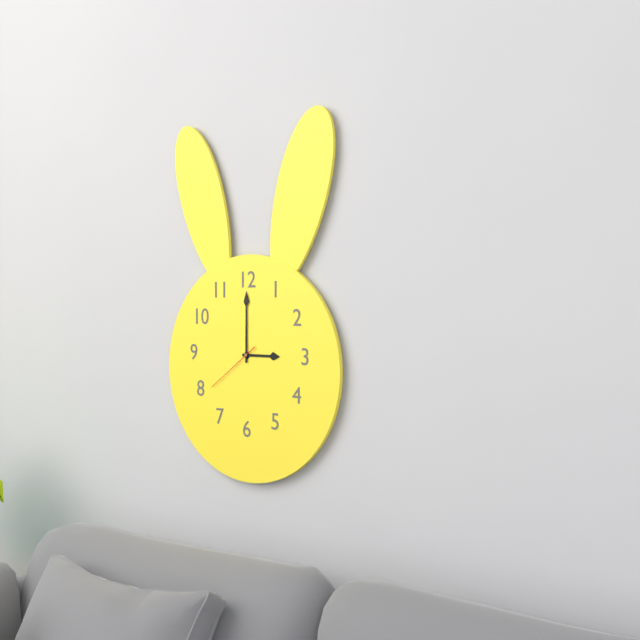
3:00:39
